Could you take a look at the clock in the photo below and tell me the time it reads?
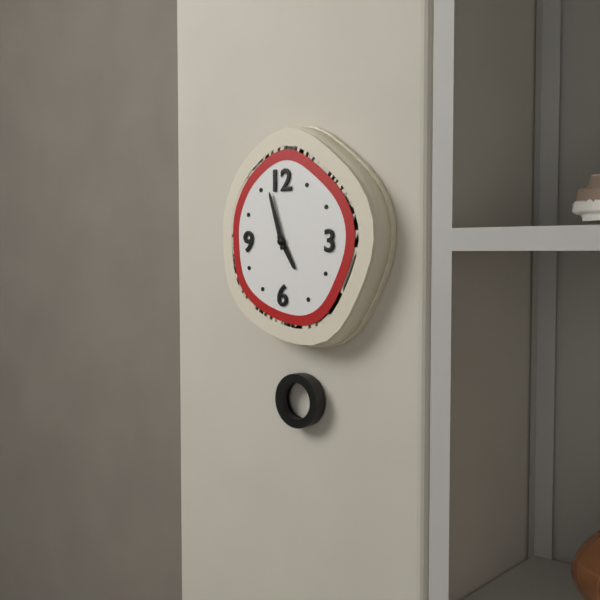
4:57
